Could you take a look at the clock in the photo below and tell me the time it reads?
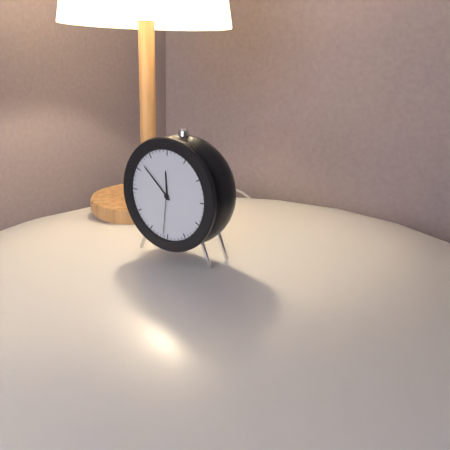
11:52:31
